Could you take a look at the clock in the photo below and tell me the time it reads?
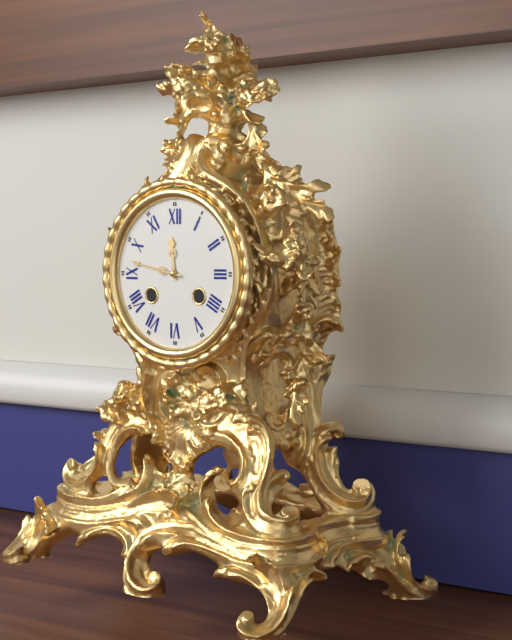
11:47
